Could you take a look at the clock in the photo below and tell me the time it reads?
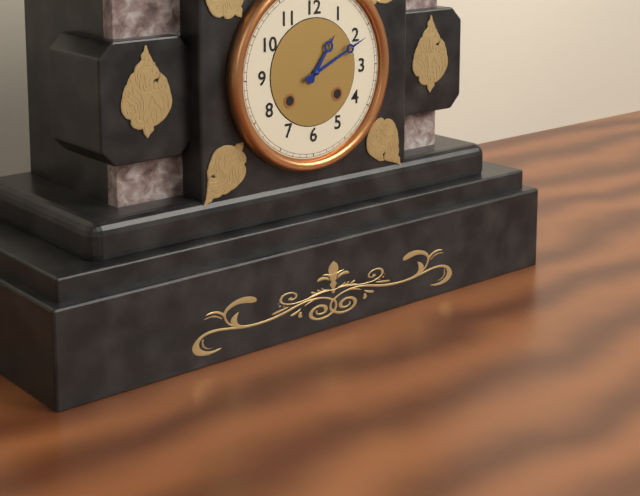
1:11
